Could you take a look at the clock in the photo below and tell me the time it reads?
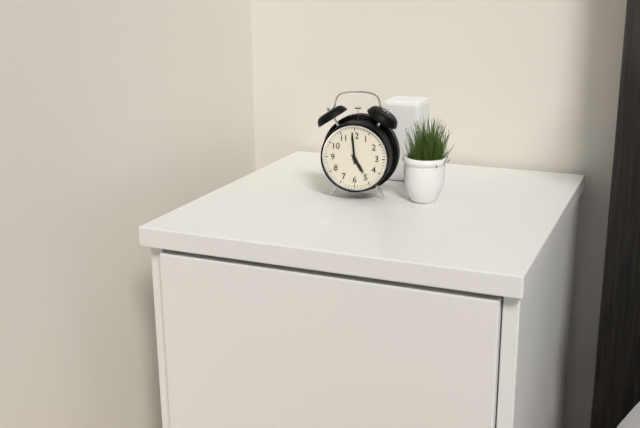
4:59
